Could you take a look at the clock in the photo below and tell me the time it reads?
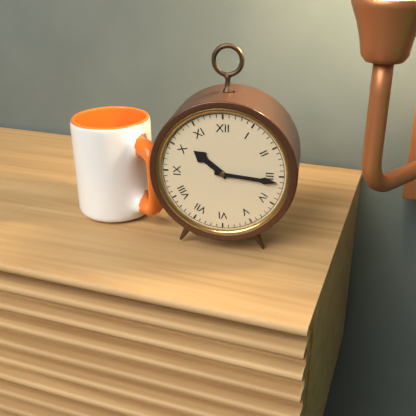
10:16
